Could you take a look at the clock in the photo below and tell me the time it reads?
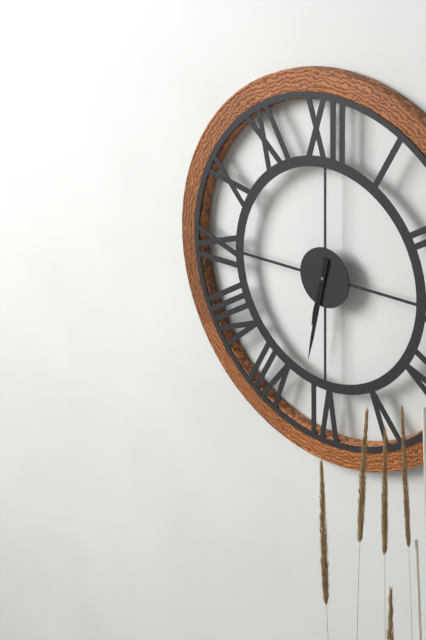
6:32
